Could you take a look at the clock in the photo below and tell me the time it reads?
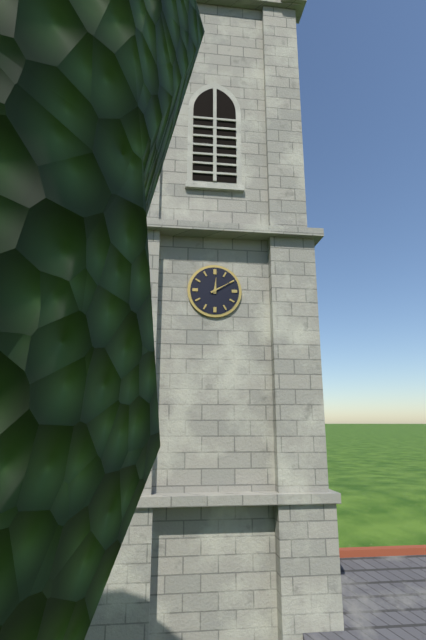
12:10
